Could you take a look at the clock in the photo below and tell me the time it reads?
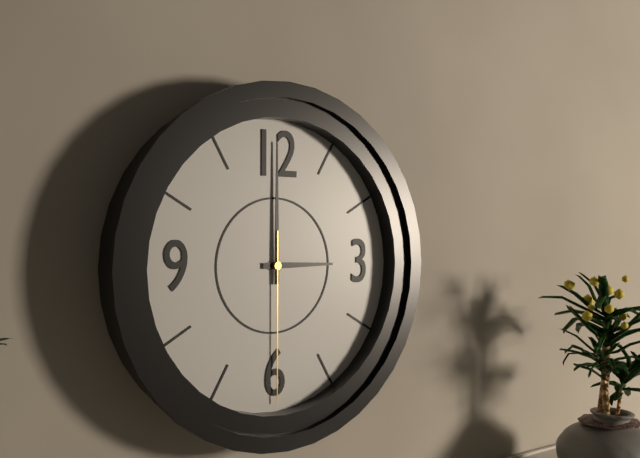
3:00:30
